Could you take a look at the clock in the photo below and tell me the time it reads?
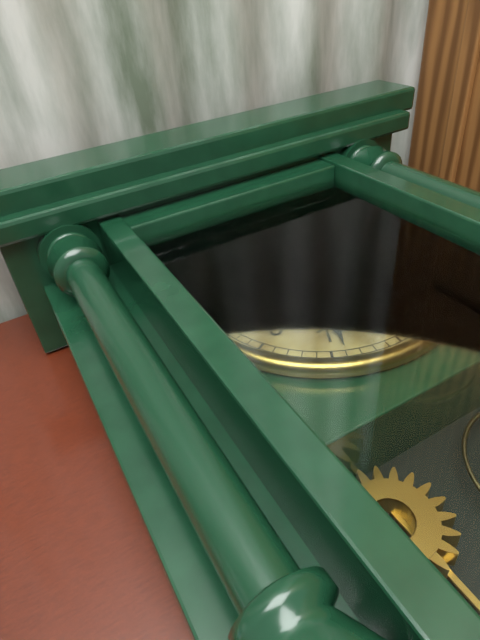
3:34
